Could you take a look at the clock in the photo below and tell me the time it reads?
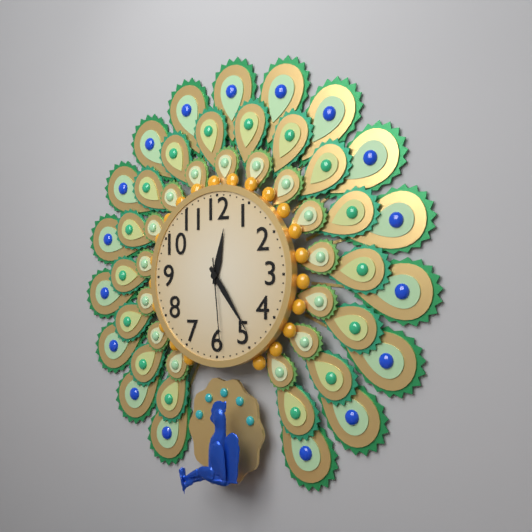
12:24:29
